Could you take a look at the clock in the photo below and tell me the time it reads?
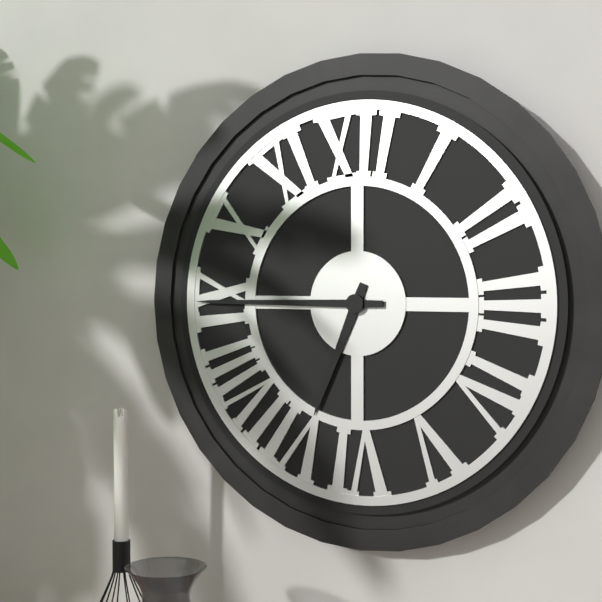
6:45
